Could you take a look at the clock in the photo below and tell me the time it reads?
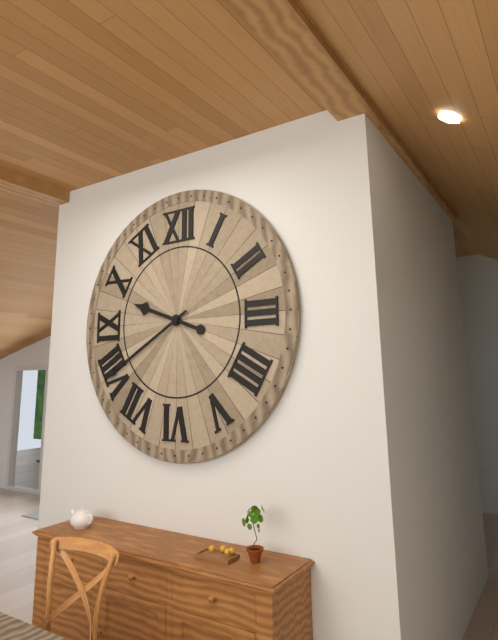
9:40
